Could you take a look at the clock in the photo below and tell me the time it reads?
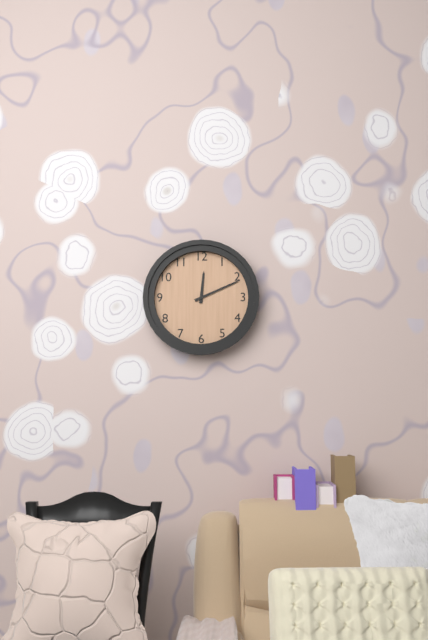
12:11
